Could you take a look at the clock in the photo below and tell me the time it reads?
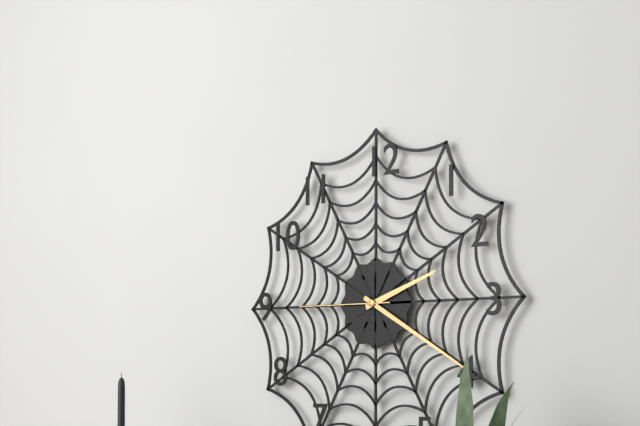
2:20:45
